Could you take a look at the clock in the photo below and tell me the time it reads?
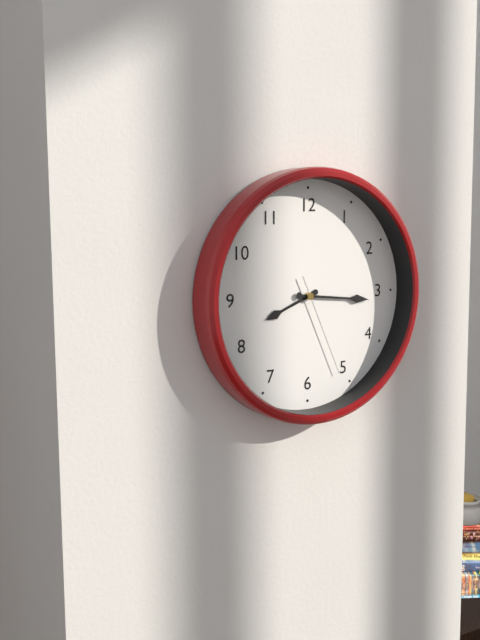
8:16:26
